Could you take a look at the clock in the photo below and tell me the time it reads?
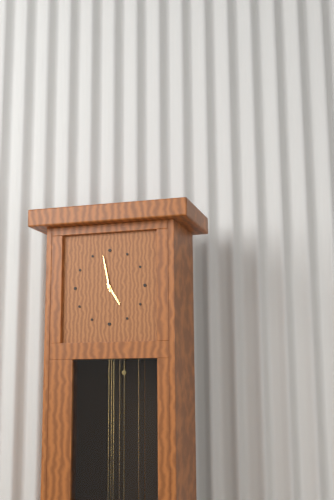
4:58
